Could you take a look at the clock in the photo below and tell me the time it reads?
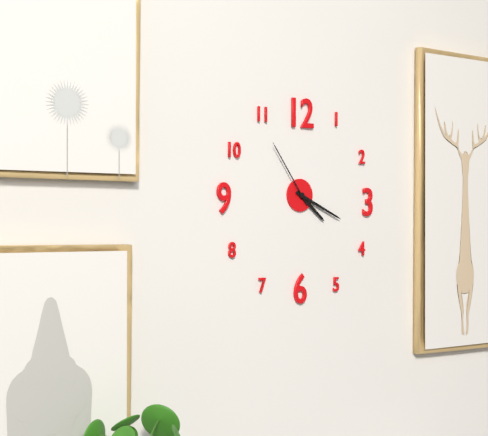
4:19:54
